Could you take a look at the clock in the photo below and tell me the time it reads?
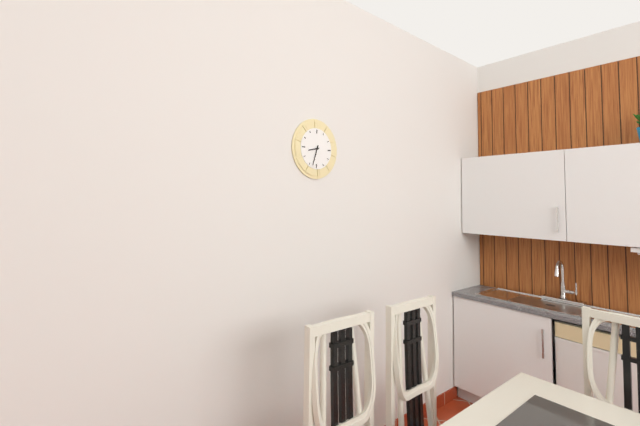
8:33
